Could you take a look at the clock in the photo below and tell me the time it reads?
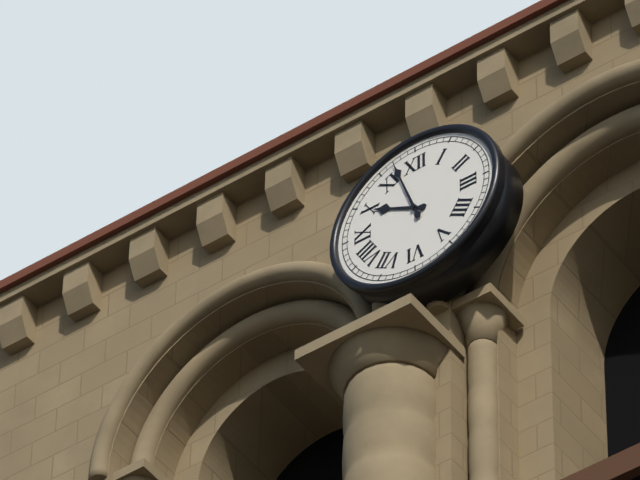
9:57
